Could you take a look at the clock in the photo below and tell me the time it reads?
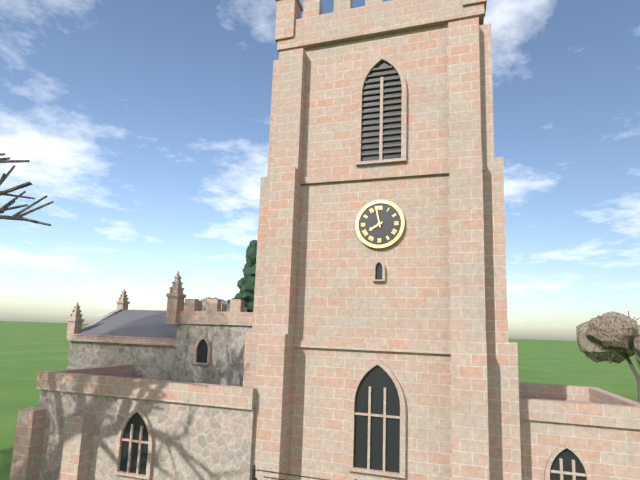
7:58
